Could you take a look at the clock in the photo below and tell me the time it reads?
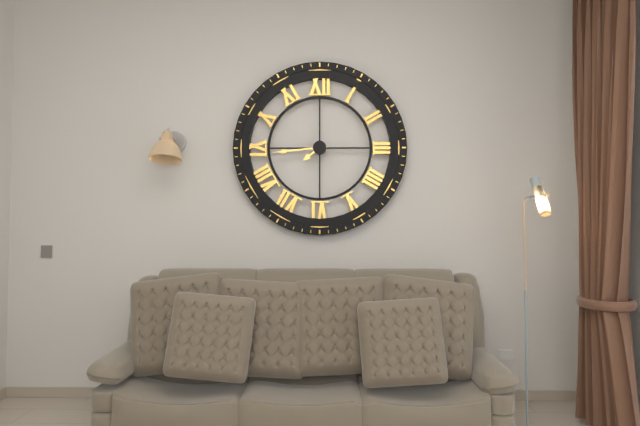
7:44
